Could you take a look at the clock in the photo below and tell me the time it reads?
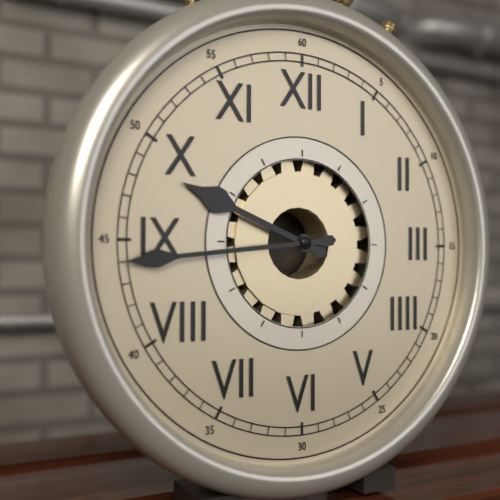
9:44
